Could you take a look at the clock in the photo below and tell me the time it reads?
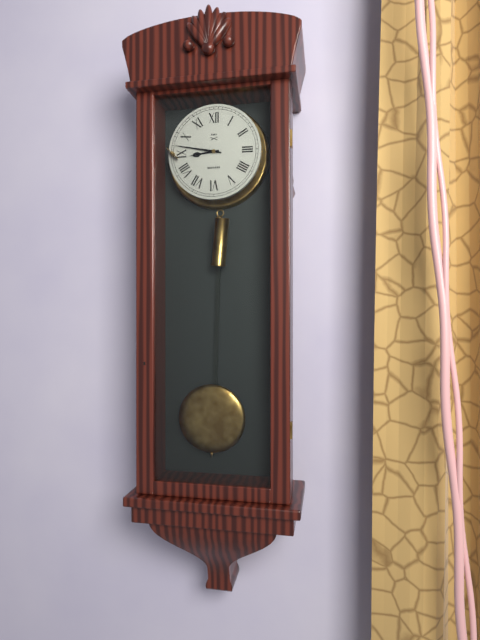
8:47
